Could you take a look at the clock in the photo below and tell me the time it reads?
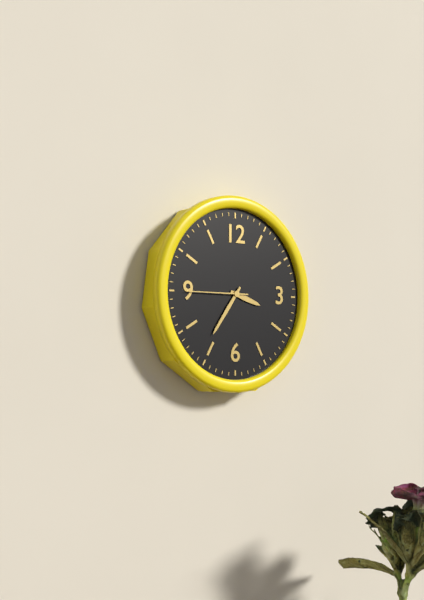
3:36:45
